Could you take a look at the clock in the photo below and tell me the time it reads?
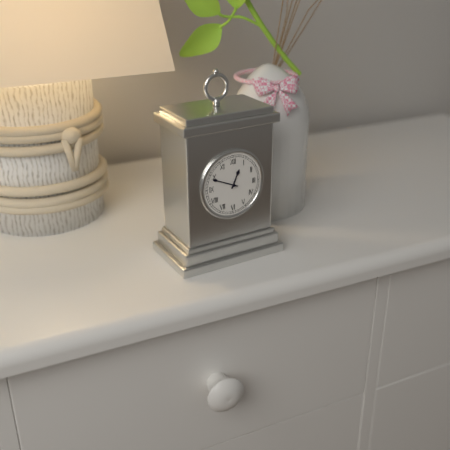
12:49
